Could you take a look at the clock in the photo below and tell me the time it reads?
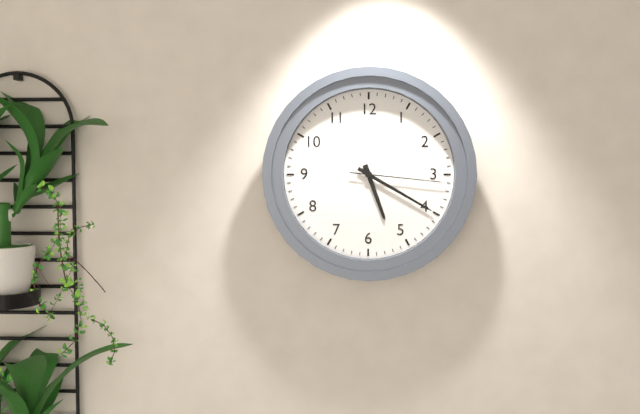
5:20:16
